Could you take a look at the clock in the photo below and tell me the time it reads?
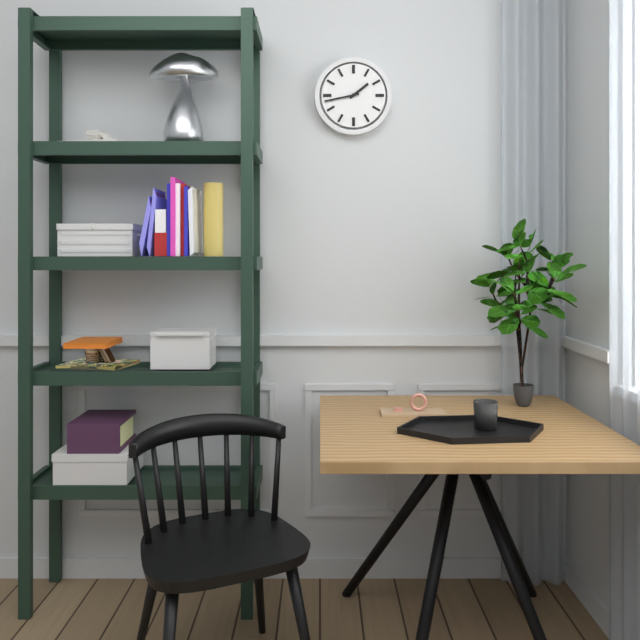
1:43
